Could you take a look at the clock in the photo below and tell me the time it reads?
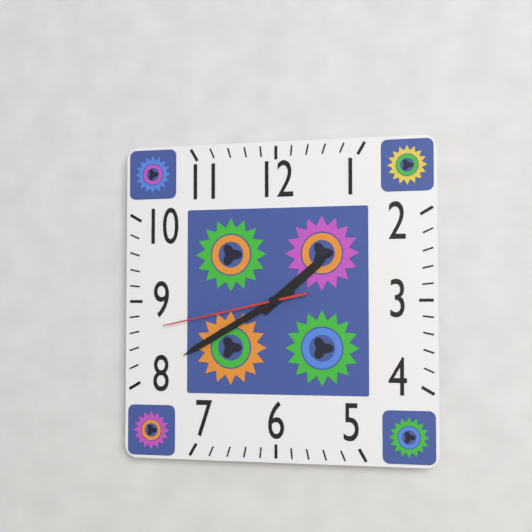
1:40:43
